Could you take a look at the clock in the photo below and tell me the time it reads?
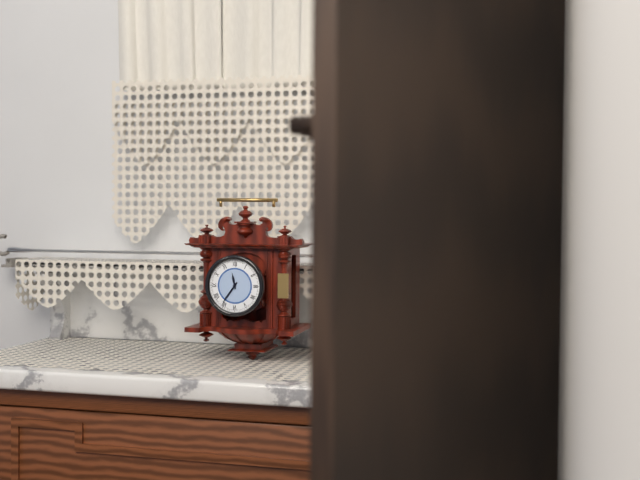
11:36
